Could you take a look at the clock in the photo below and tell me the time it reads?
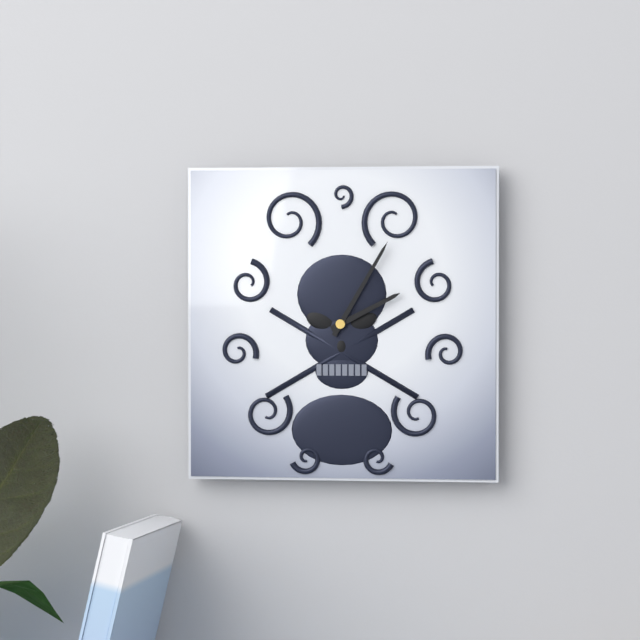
2:05
